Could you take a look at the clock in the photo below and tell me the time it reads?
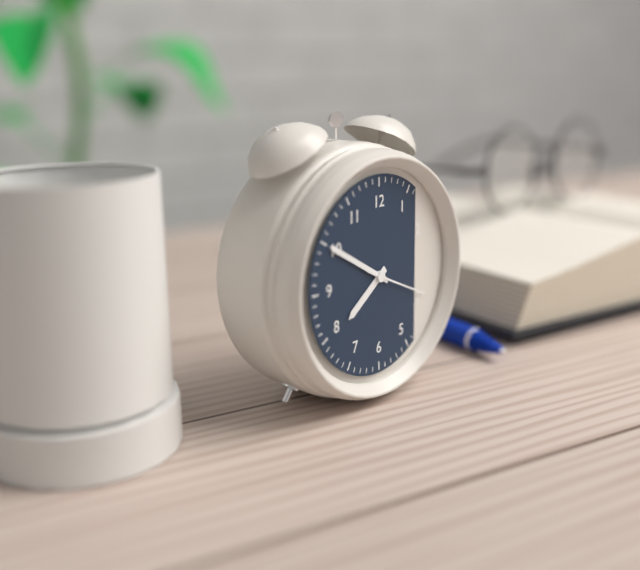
7:50:19
